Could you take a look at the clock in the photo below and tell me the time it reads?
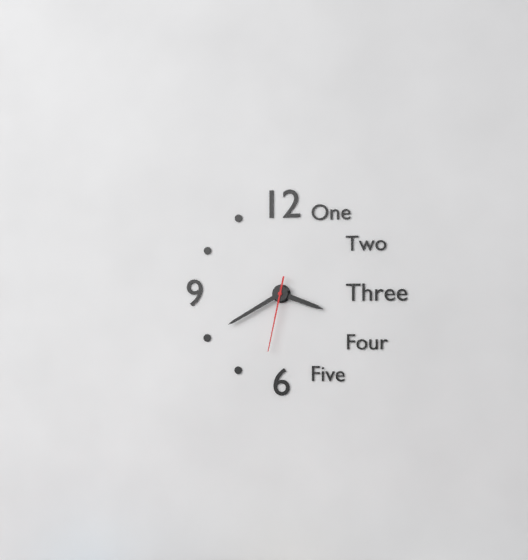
3:40:32
